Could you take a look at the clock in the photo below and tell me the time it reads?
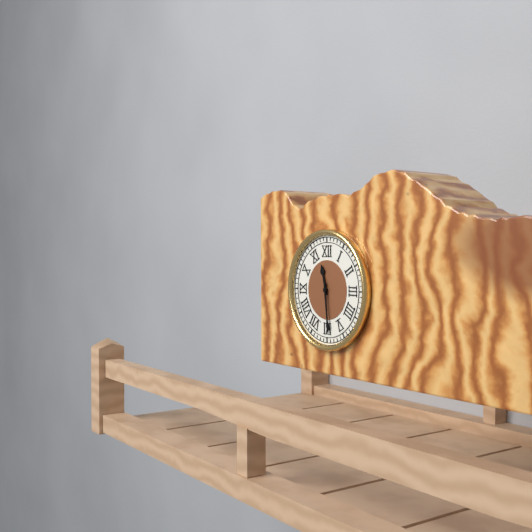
11:29
